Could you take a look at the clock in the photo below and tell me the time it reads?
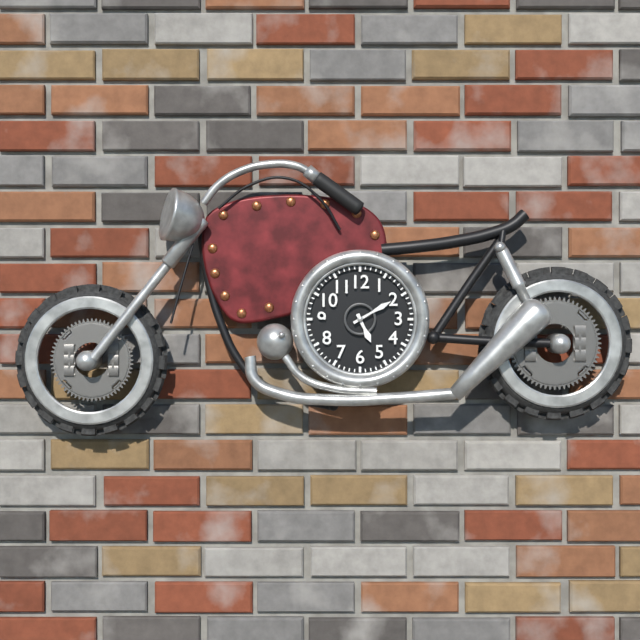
5:10
